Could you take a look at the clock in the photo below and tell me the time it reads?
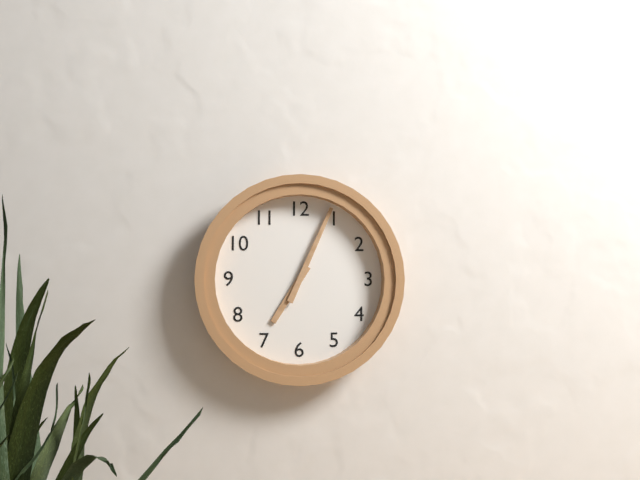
7:04
